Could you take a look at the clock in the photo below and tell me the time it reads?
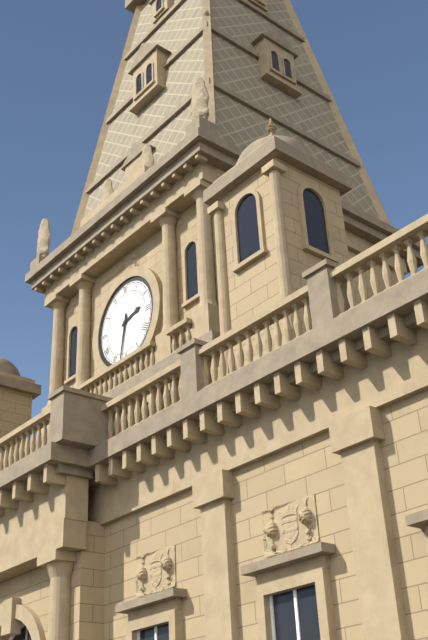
2:32
